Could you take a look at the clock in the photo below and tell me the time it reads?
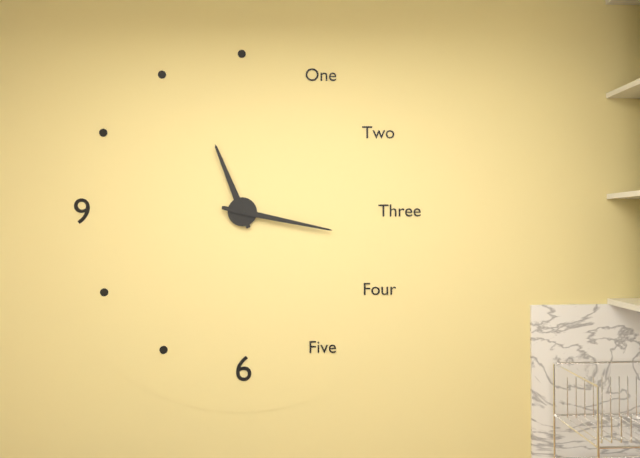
11:17
